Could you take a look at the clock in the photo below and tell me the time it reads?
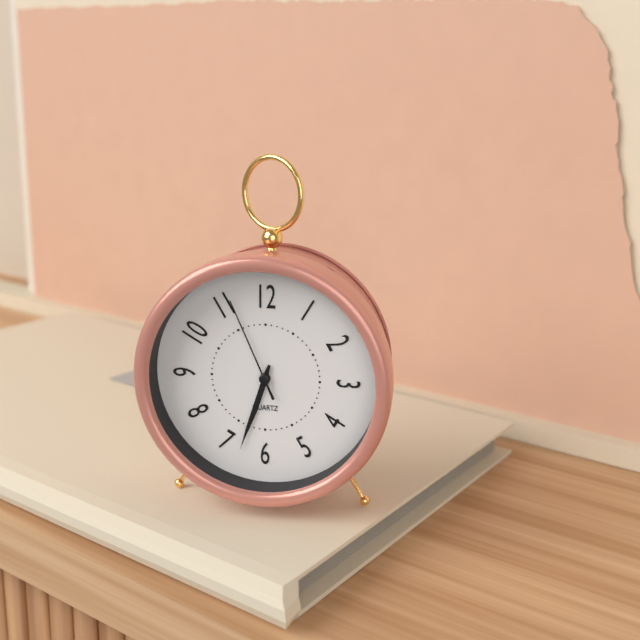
6:33:56
